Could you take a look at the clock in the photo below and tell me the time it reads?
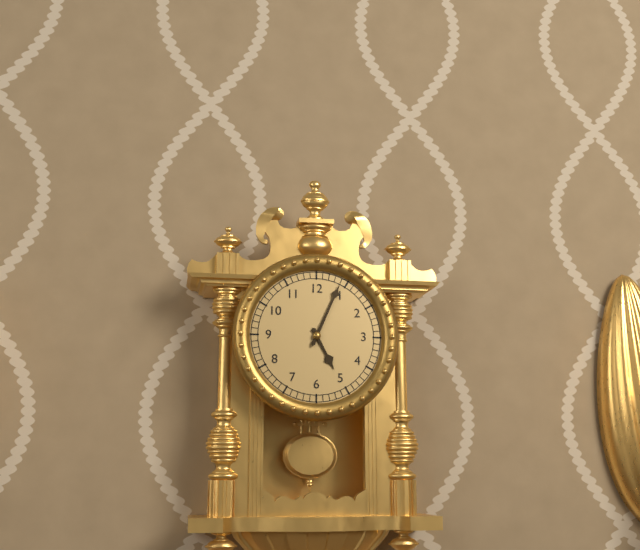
5:04
